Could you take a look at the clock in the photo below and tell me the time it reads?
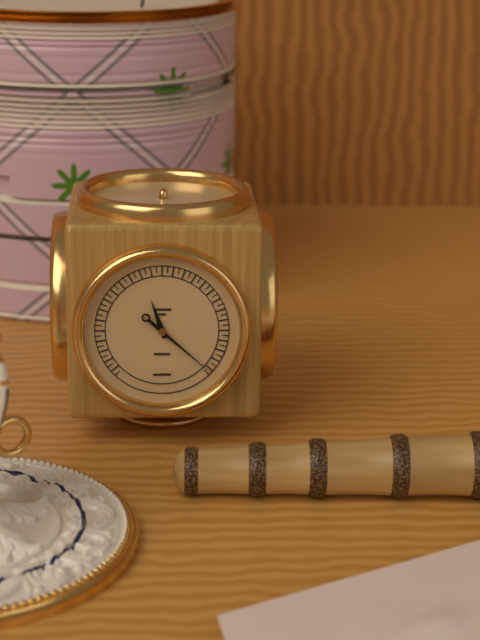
11:22
